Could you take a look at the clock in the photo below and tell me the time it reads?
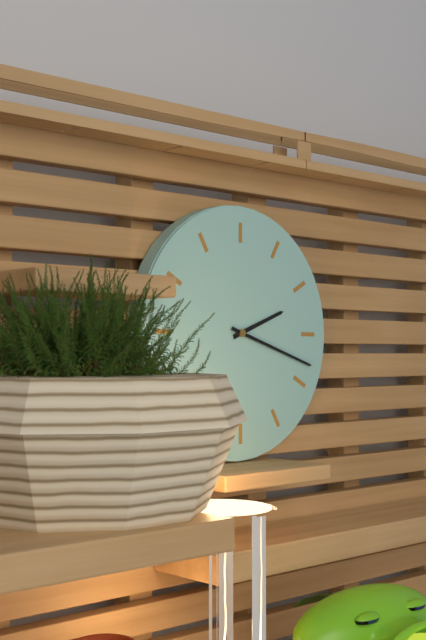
2:18
